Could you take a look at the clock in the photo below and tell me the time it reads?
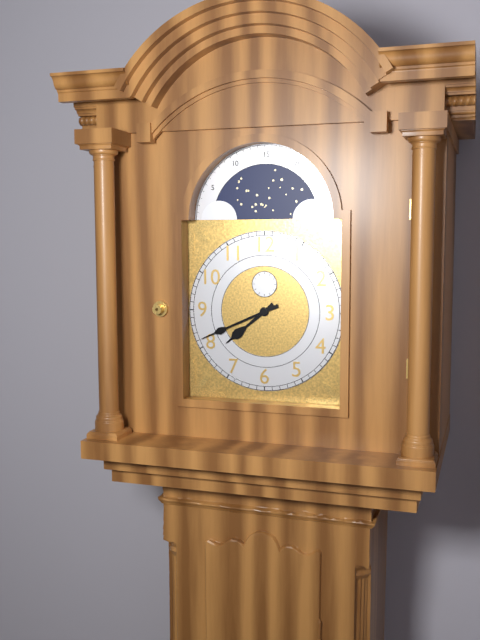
7:41
